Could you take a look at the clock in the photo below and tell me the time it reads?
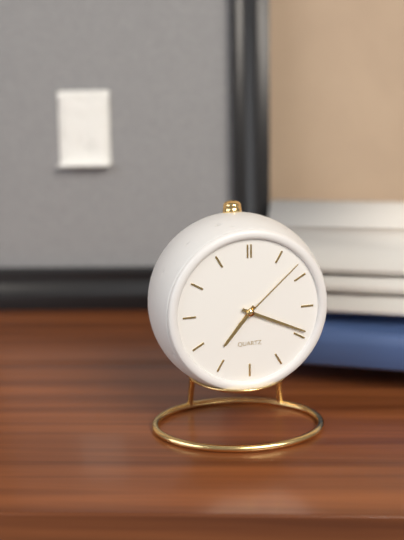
7:19:08
